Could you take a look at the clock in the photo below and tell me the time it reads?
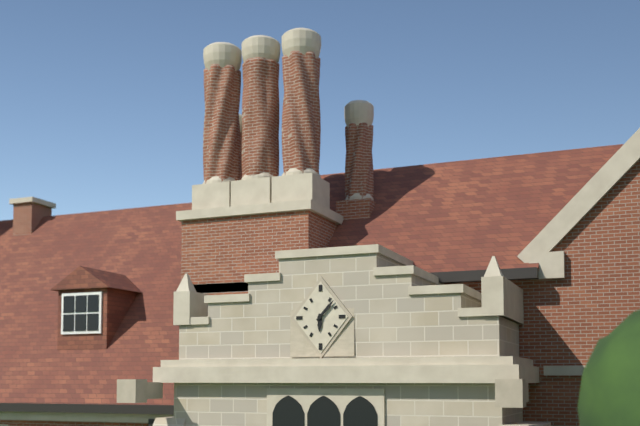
6:07
